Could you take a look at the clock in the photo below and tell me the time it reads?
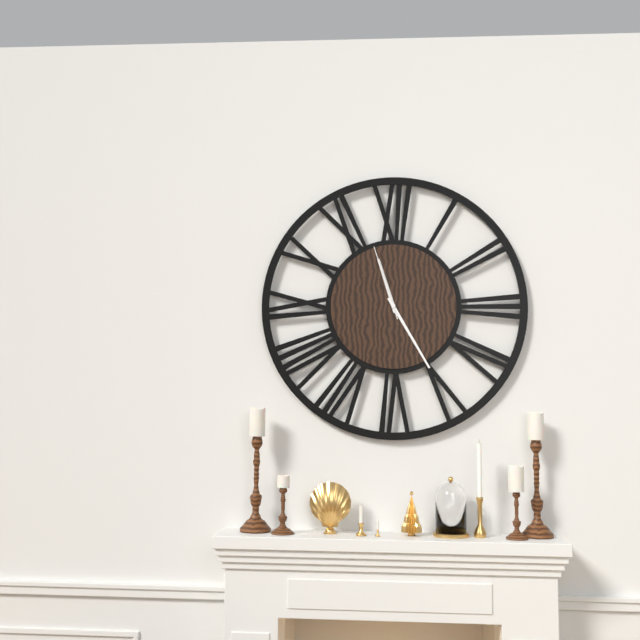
11:25:57
